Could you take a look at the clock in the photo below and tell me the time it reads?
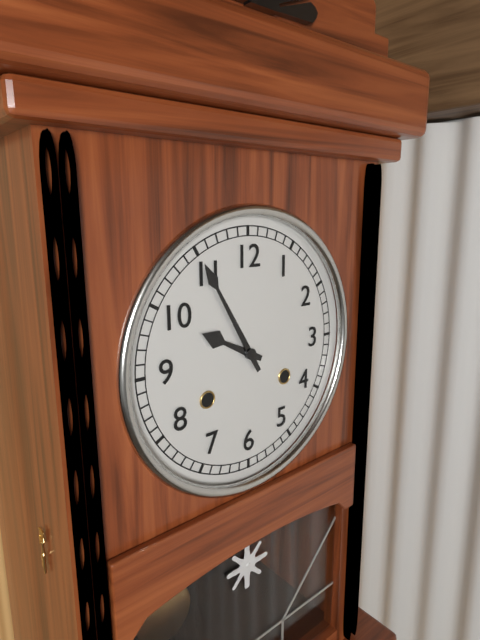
9:55
